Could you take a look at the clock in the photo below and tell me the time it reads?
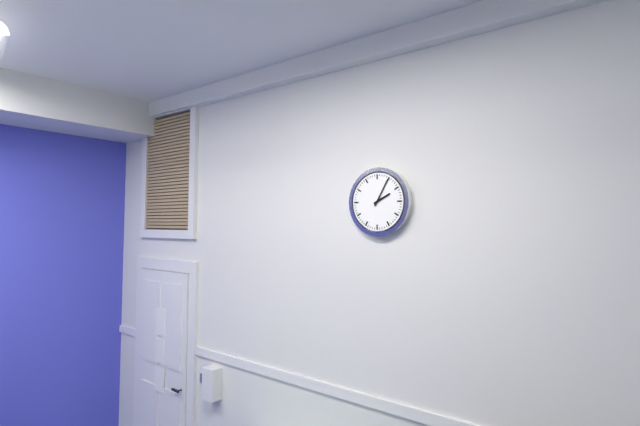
2:05
